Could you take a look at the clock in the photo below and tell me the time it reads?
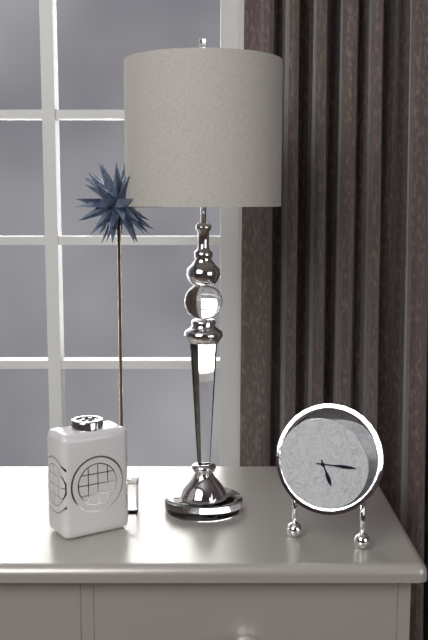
5:15
